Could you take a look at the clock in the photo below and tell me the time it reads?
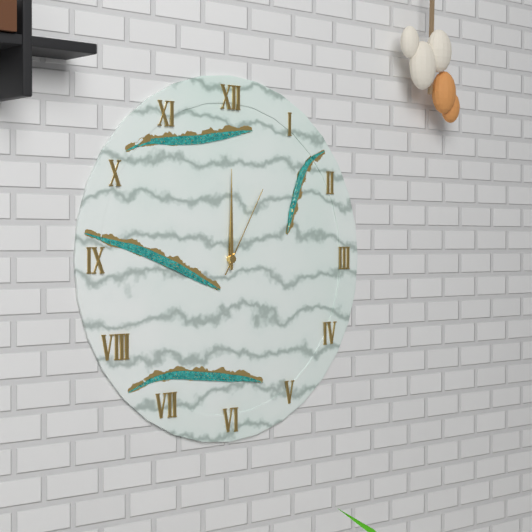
12:00:05
